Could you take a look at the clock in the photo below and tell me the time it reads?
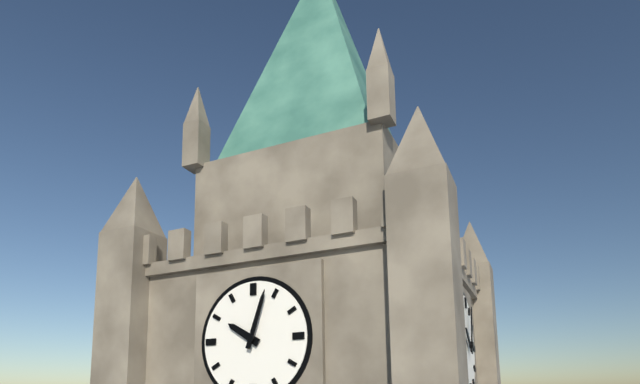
10:03
